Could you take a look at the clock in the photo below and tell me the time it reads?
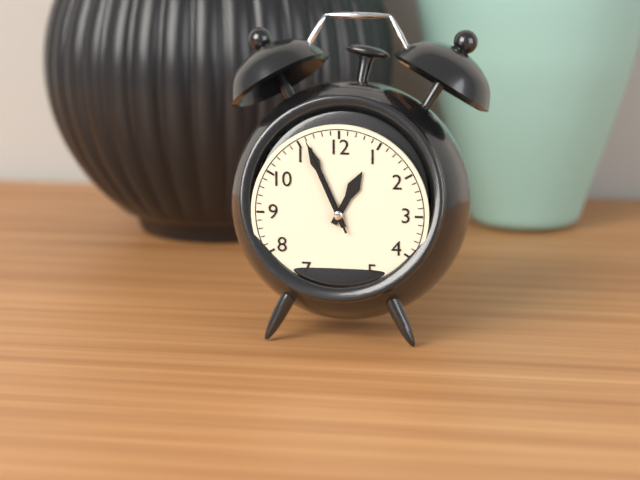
12:56:56
